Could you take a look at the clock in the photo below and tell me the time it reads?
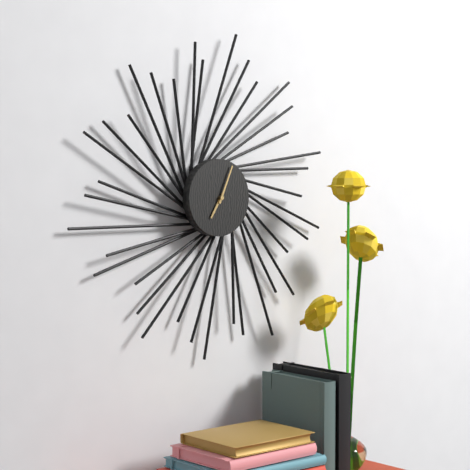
7:04
